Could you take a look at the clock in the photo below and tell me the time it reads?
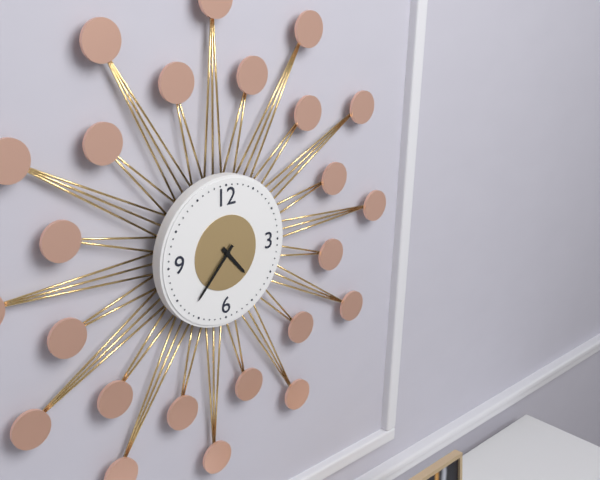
4:37
